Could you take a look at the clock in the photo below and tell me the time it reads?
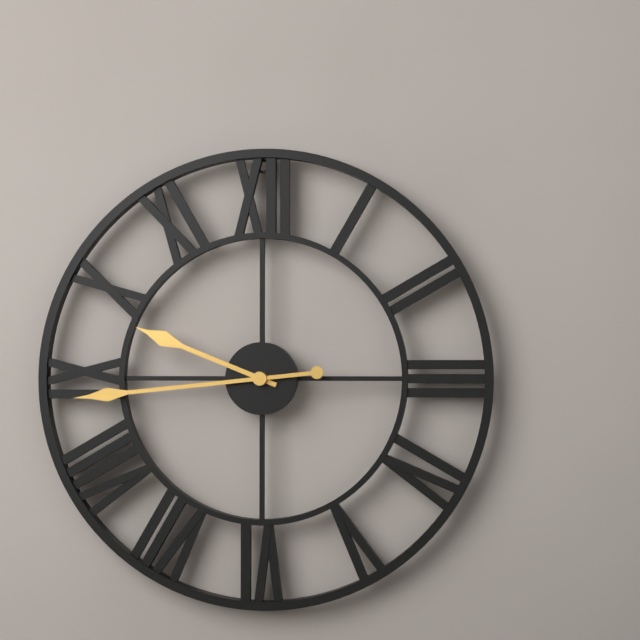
9:44
